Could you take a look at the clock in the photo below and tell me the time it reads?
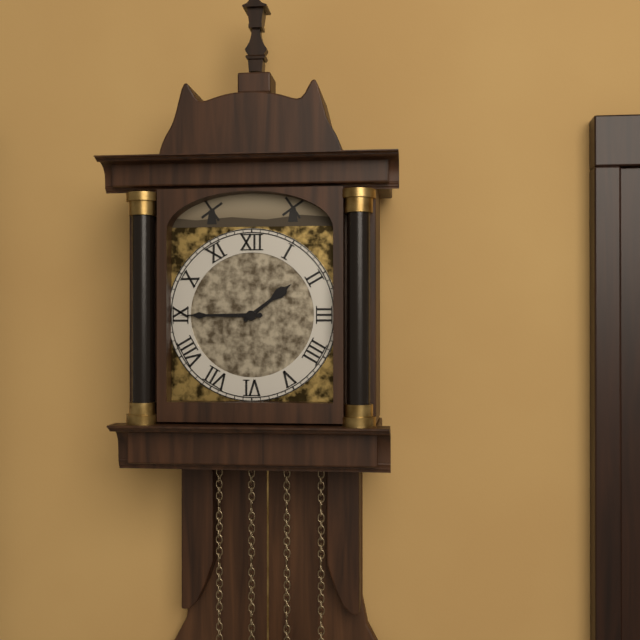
1:45
